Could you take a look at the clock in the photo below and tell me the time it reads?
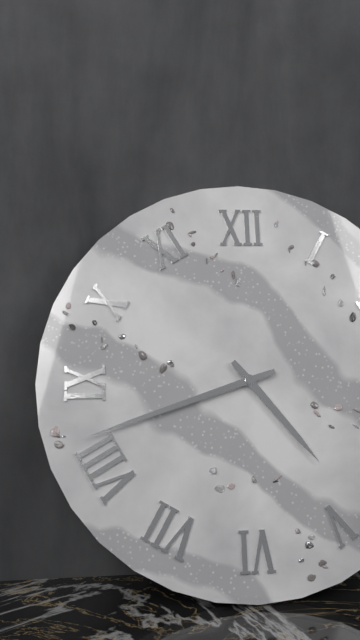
4:42
